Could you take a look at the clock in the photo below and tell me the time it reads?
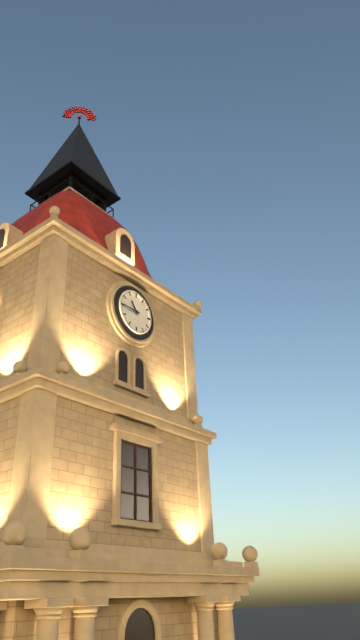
10:45
